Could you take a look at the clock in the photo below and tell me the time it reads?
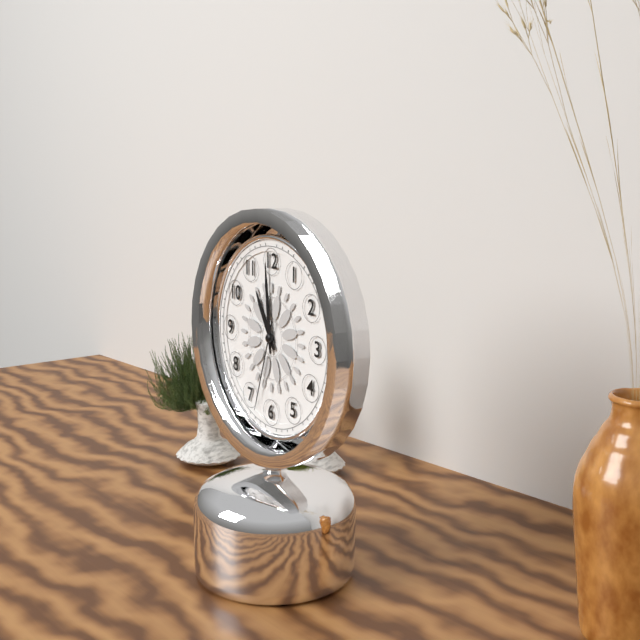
10:59:33
